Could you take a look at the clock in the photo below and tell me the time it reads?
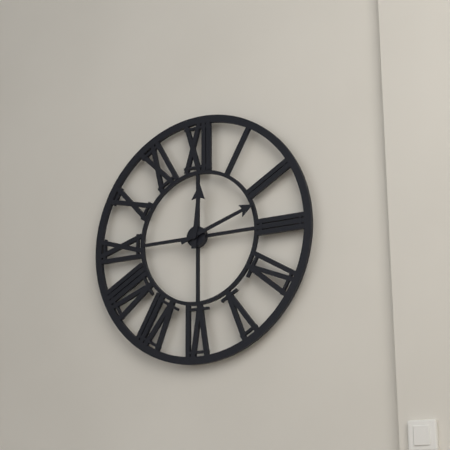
12:12
